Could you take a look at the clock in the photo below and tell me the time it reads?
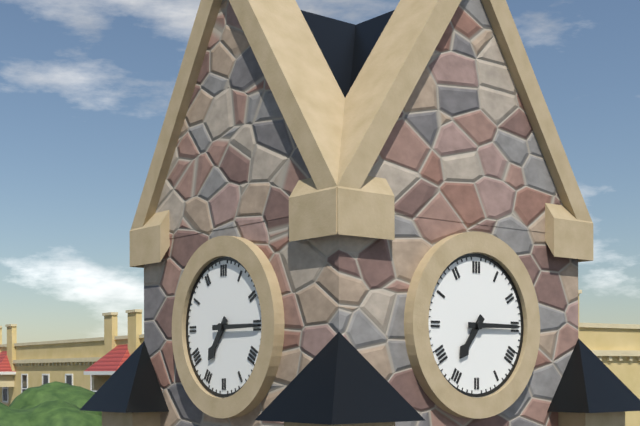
7:15
